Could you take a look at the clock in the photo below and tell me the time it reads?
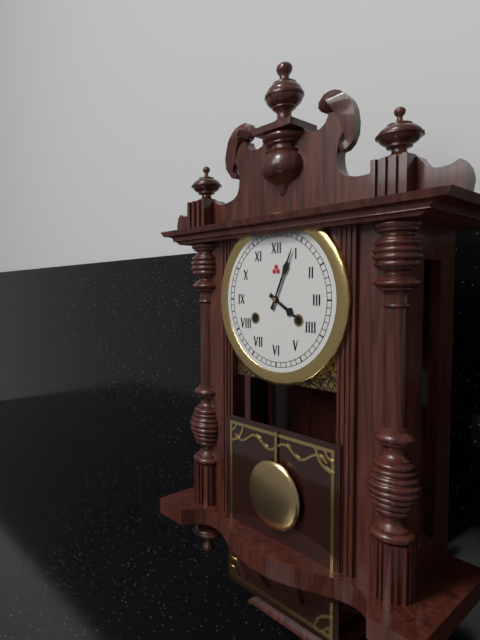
4:04
